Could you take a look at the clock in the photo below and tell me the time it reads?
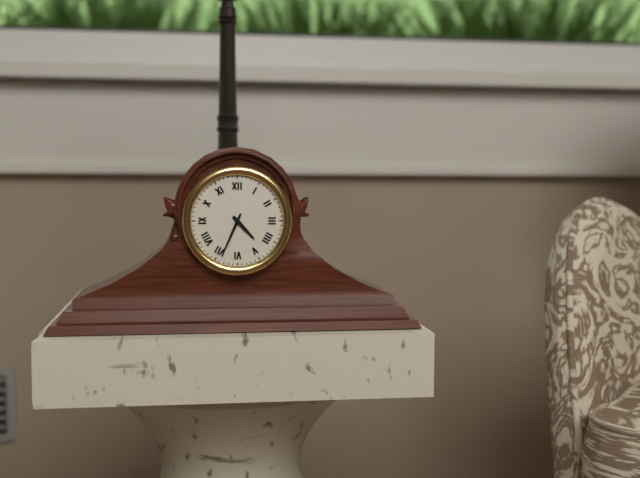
4:34
